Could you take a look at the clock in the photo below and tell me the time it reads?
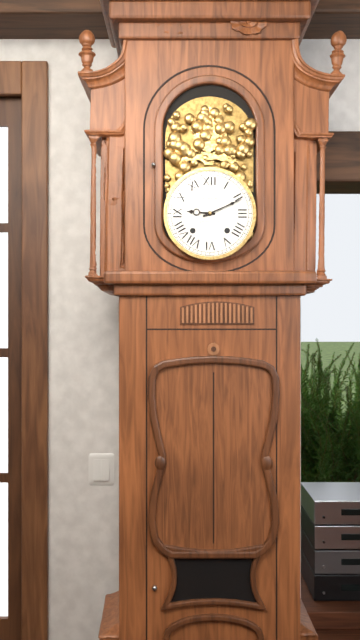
9:11
